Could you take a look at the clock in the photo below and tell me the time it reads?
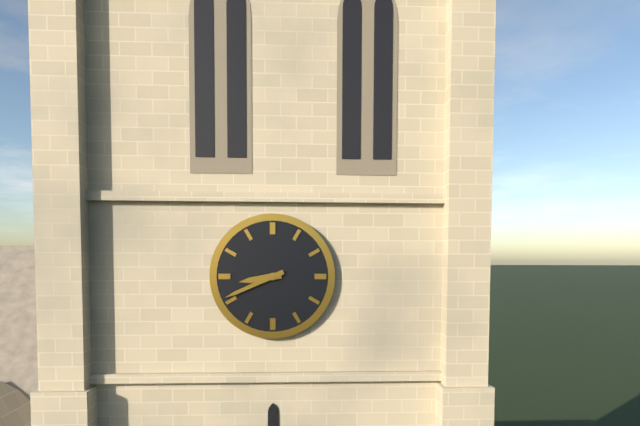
8:41
